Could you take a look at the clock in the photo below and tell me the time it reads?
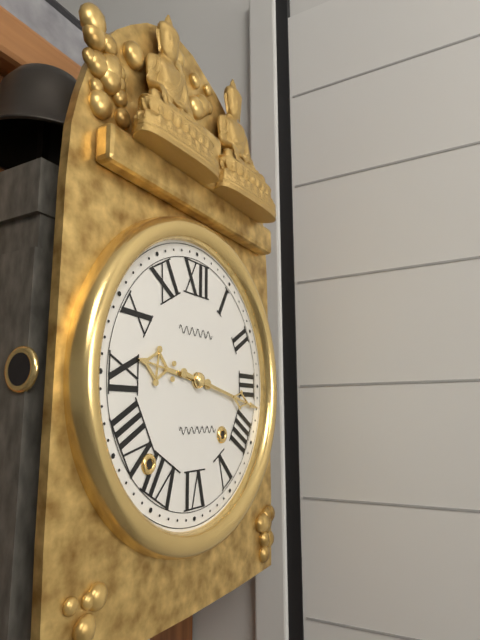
9:17
